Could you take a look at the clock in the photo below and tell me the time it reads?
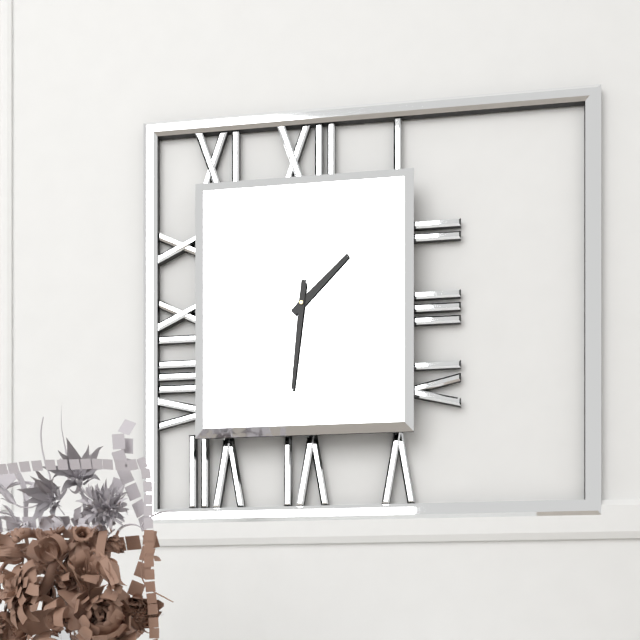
1:31
